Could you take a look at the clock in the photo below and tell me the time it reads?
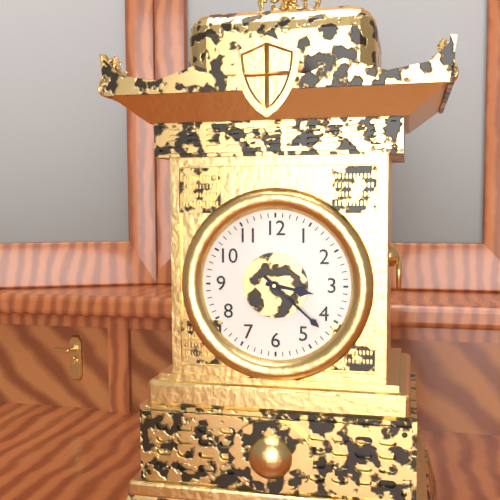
3:22
